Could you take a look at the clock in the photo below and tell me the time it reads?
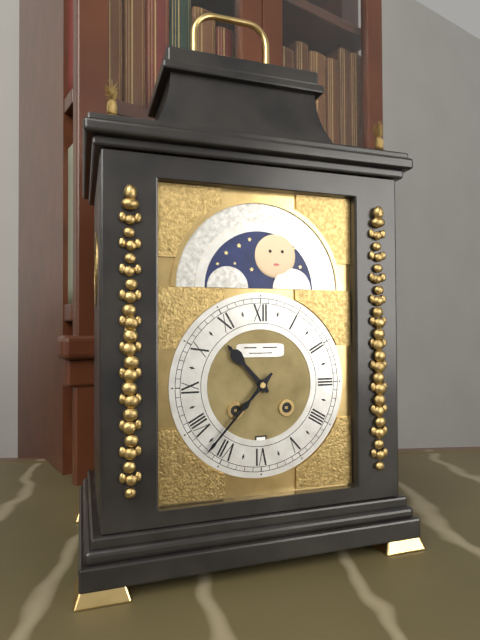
10:37
